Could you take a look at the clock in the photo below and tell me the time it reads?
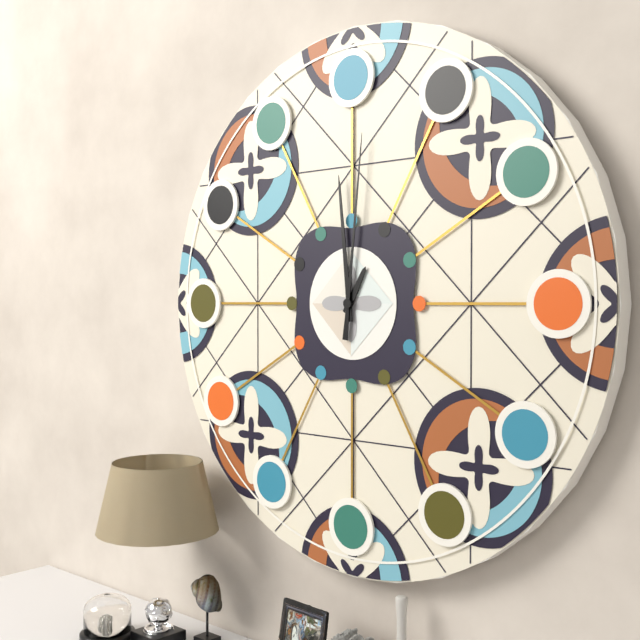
12:59:01
